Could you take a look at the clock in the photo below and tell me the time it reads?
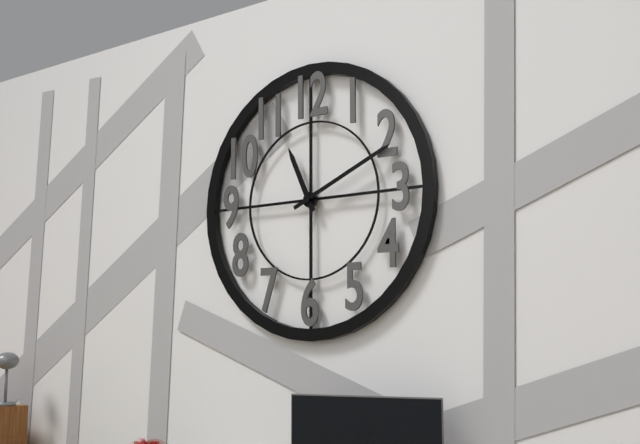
11:11
